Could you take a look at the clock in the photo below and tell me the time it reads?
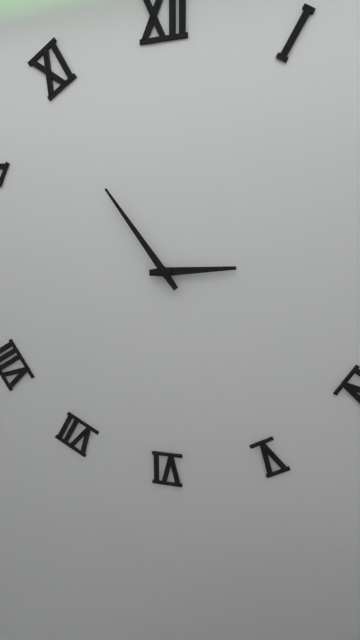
2:54
